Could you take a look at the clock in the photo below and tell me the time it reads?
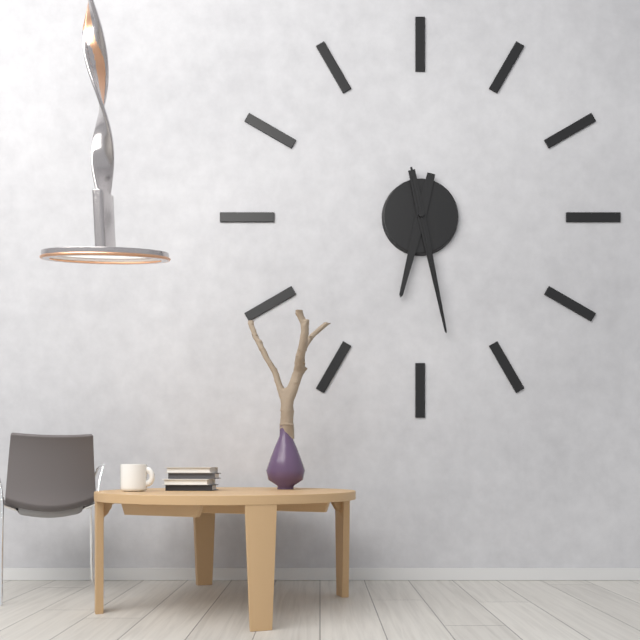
6:28:28
